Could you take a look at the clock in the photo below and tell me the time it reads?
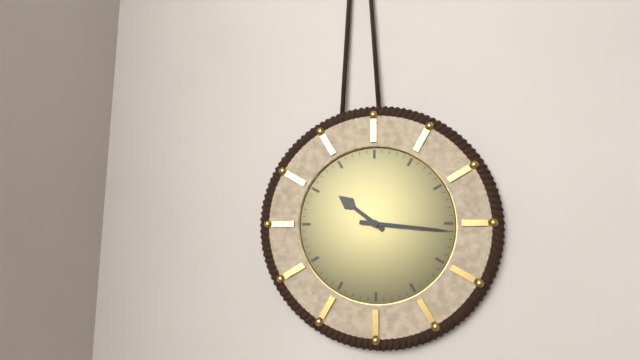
10:16
